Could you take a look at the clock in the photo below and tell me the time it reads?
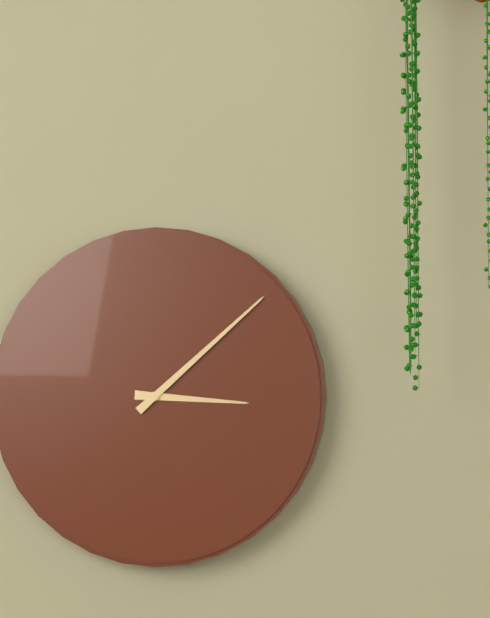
3:08
